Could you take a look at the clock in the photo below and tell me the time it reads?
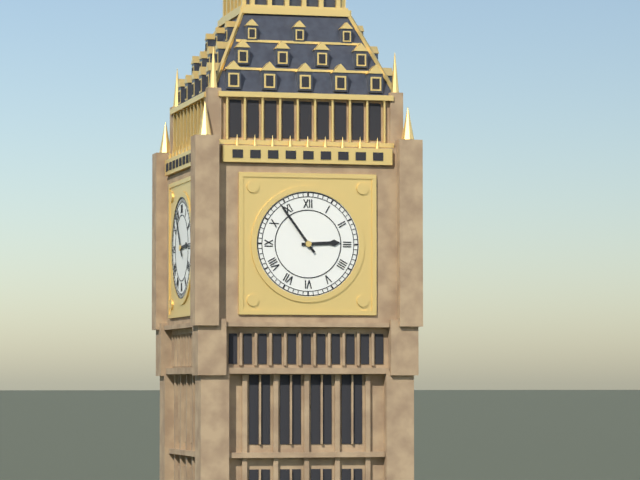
2:54
